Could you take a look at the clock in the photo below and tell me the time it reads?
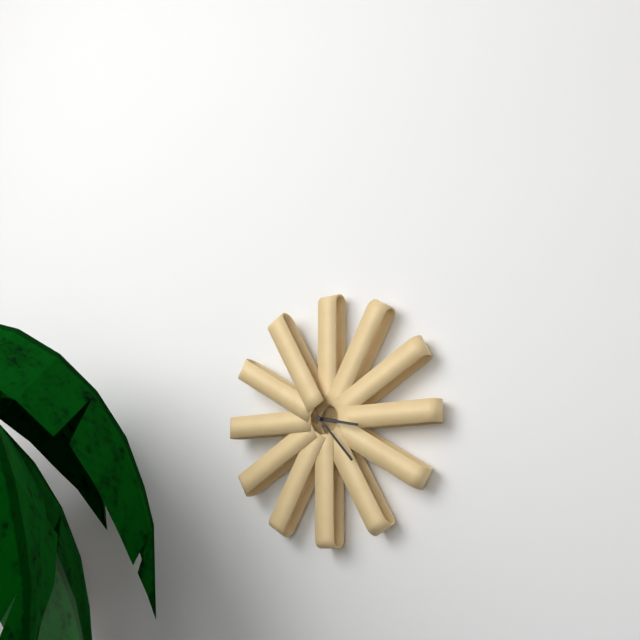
3:23
